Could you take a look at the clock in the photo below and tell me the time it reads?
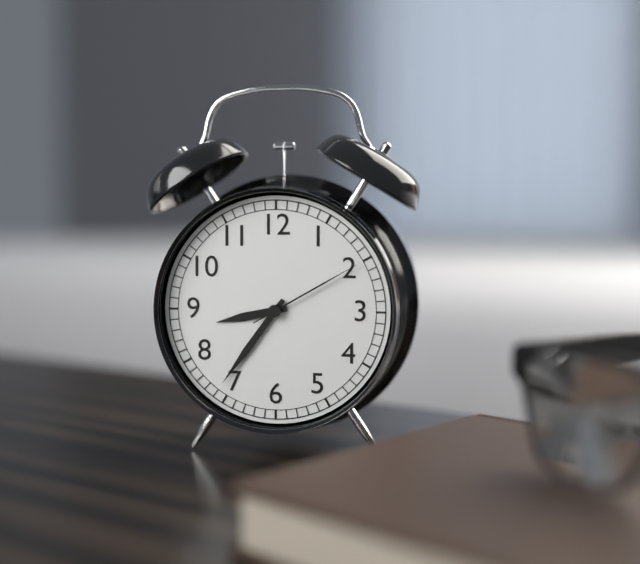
8:36:10
